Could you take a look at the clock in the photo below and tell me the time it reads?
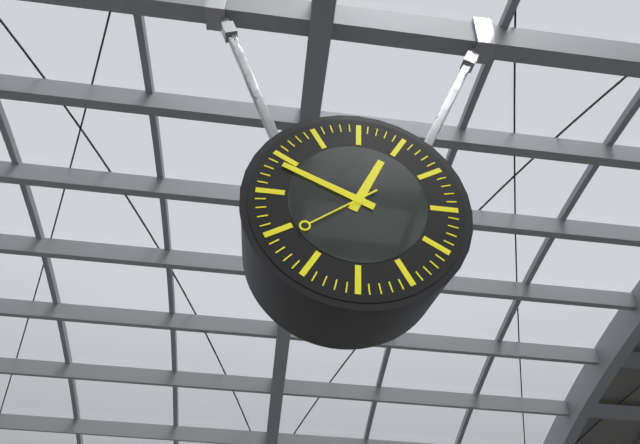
12:49:39
